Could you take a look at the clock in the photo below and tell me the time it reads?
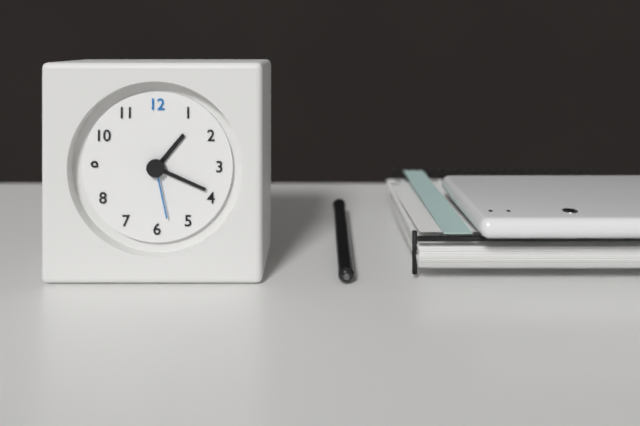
1:19:28
